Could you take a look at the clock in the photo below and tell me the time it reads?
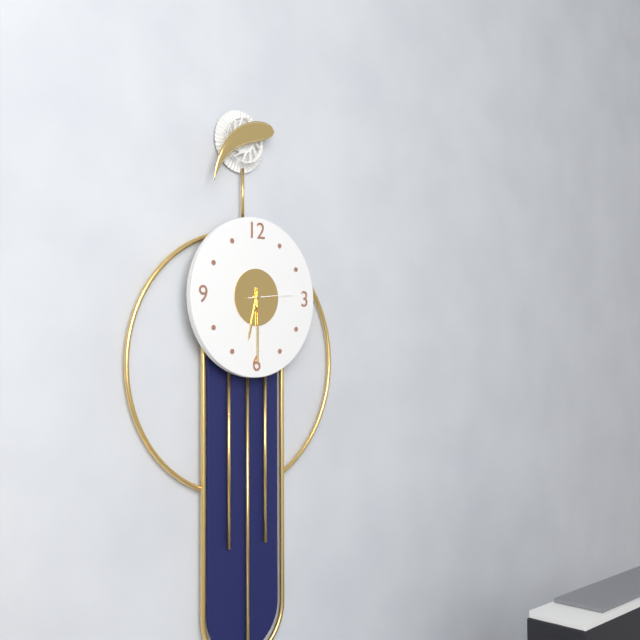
6:30
